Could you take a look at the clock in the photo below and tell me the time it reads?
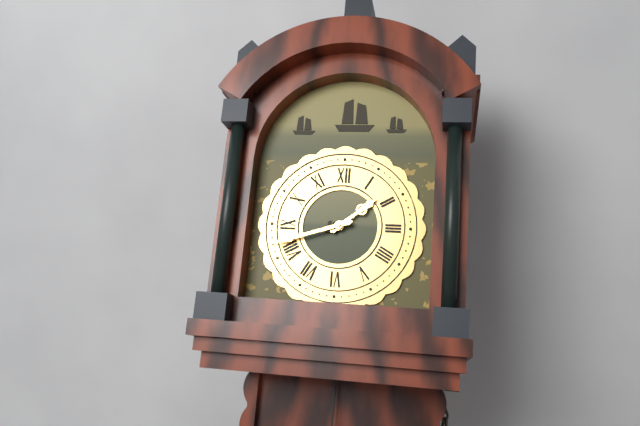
1:42
